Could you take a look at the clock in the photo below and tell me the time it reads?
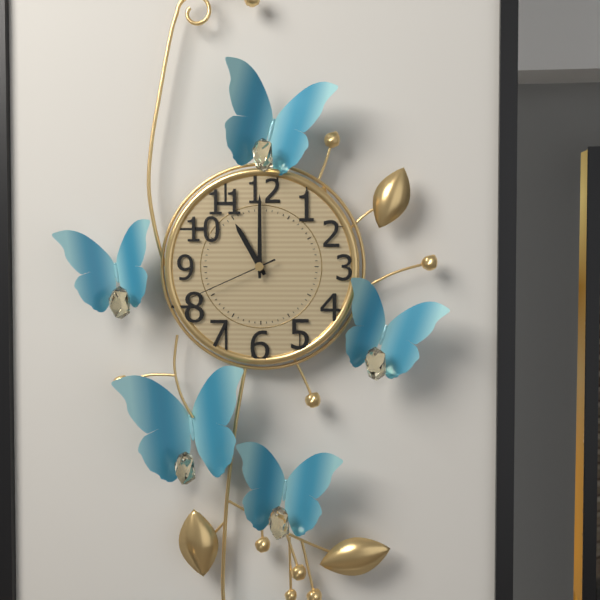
11:00:41
